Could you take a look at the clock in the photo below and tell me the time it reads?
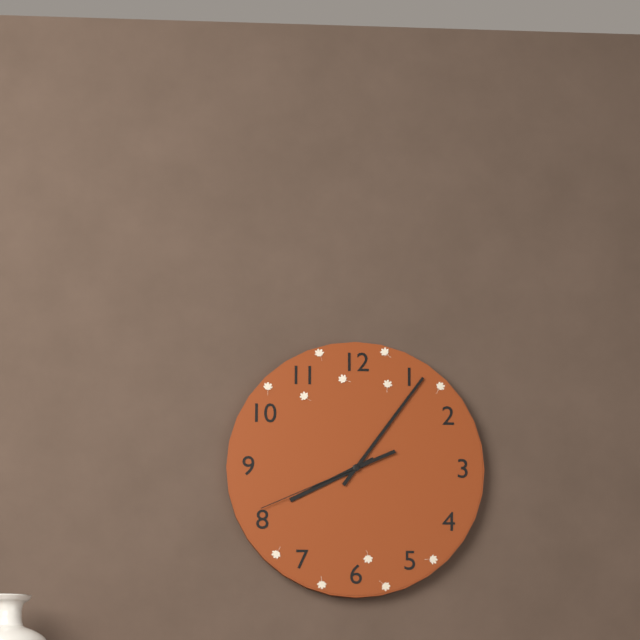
8:06:41
